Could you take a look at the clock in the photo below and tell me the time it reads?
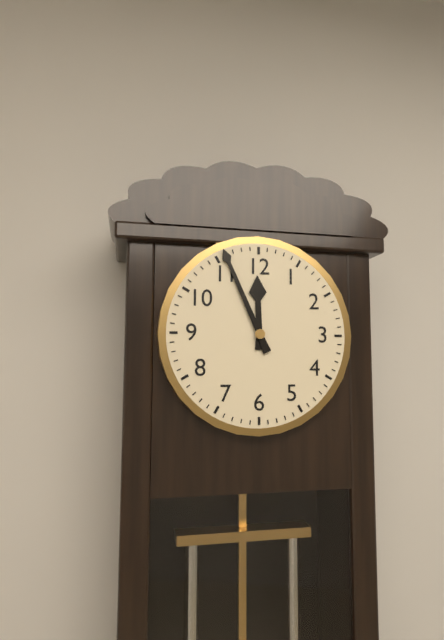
11:56
